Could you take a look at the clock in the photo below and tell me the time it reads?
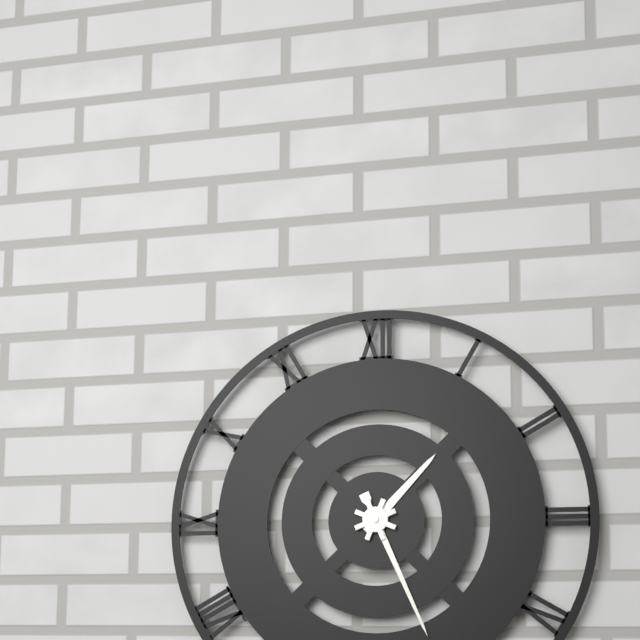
1:26
